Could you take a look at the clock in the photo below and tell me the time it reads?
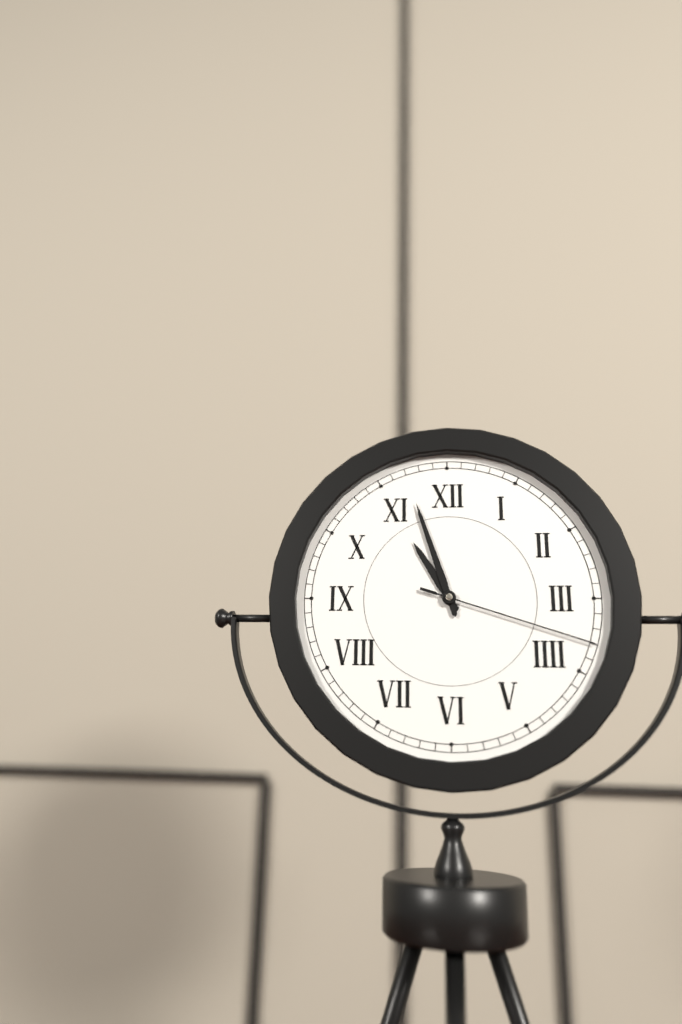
10:57:18
